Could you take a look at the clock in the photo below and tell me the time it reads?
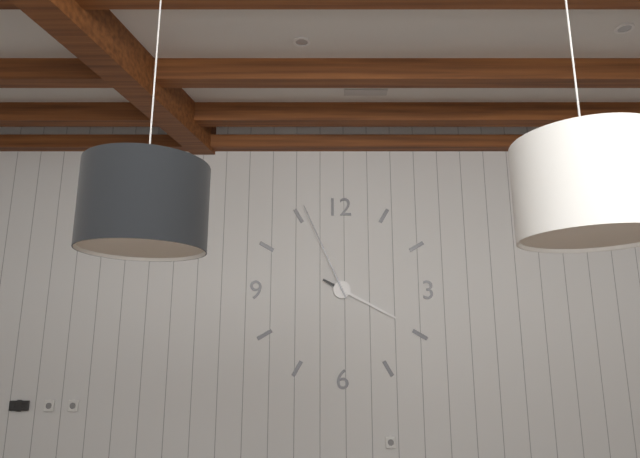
3:56
